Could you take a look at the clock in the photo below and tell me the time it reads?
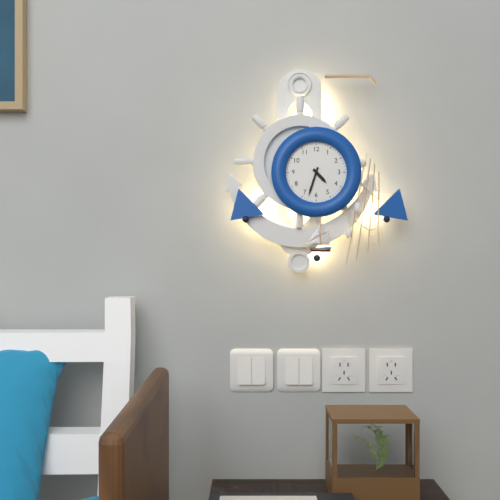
4:33
